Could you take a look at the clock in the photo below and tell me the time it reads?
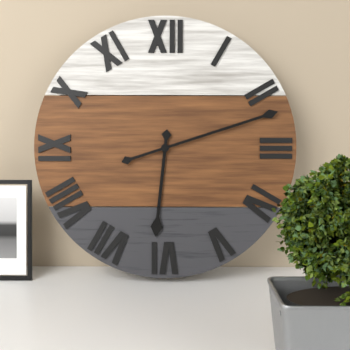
6:12
